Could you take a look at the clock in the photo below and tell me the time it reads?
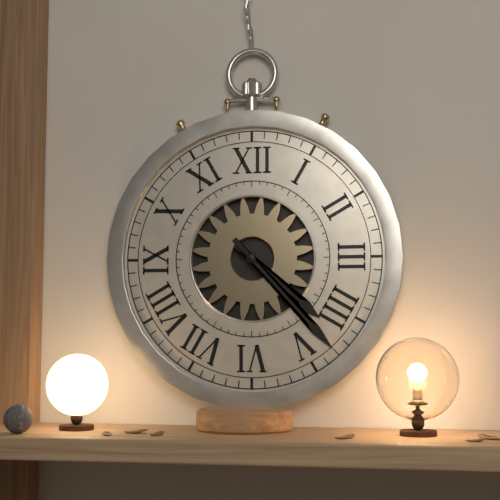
4:23
